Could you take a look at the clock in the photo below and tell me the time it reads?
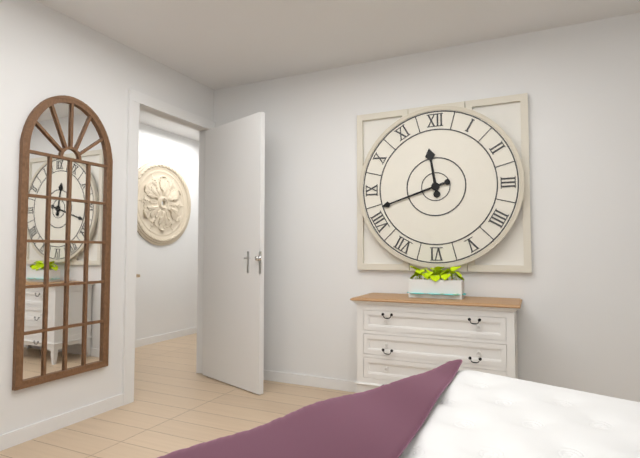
11:42
